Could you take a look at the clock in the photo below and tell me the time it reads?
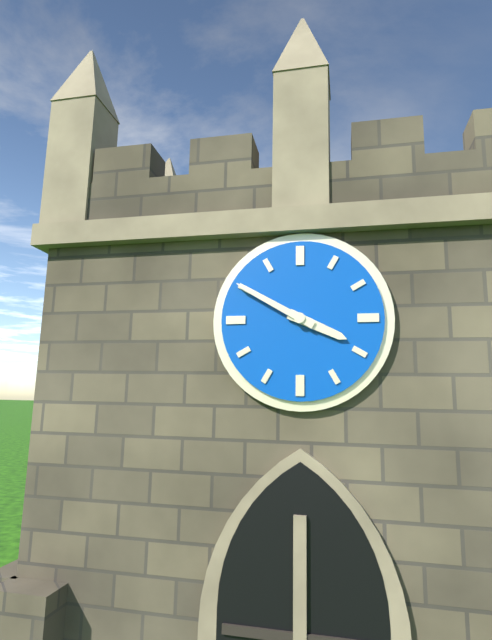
3:50
